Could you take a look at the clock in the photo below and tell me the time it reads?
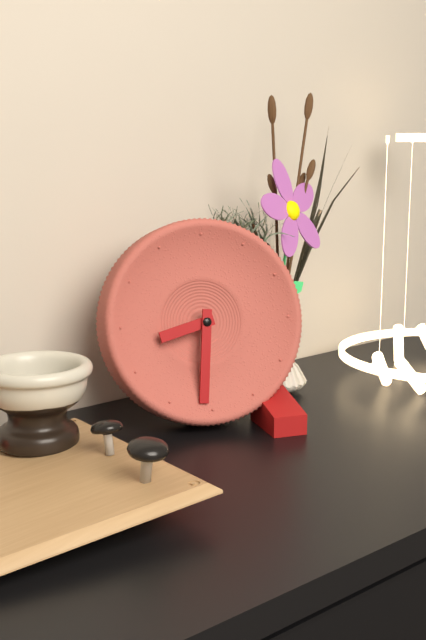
8:31
